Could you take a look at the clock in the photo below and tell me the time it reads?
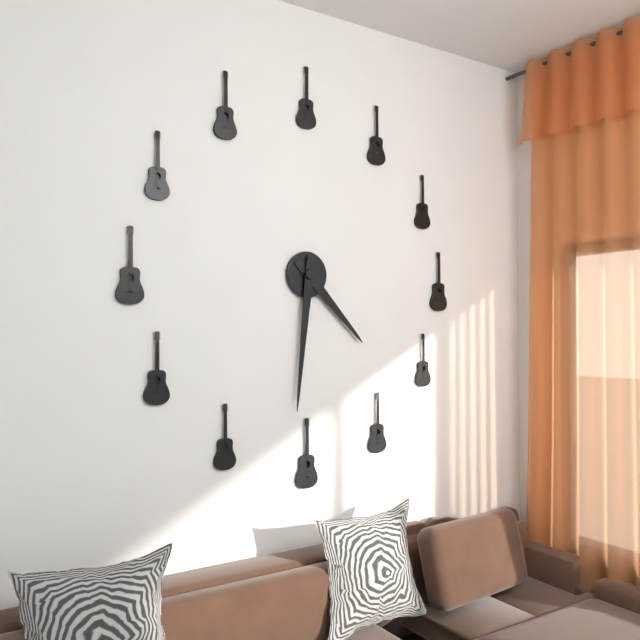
4:31
